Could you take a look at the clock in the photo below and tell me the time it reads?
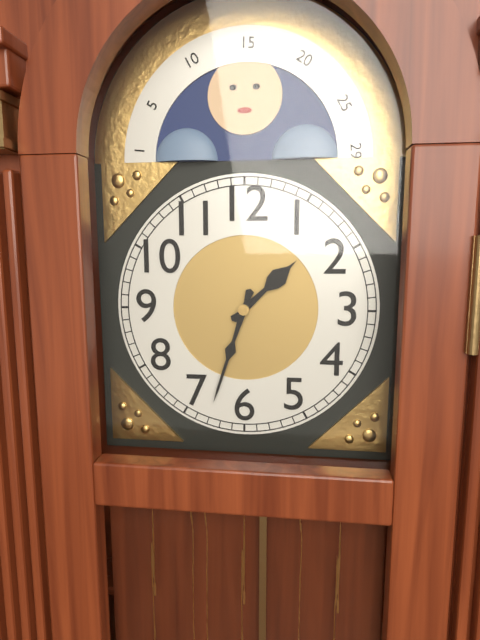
1:33
